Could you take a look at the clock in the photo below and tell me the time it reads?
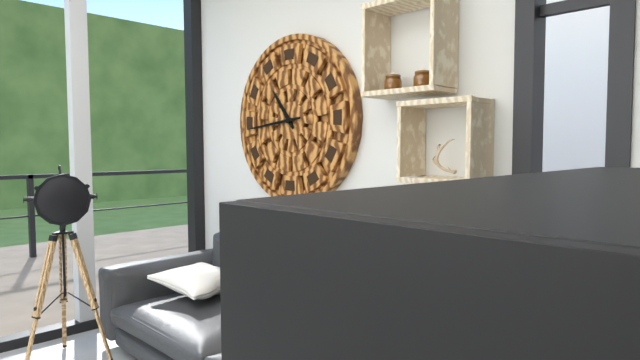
10:44
